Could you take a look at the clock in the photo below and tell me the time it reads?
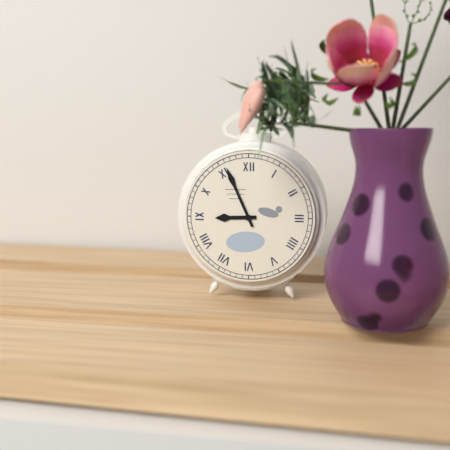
8:56
